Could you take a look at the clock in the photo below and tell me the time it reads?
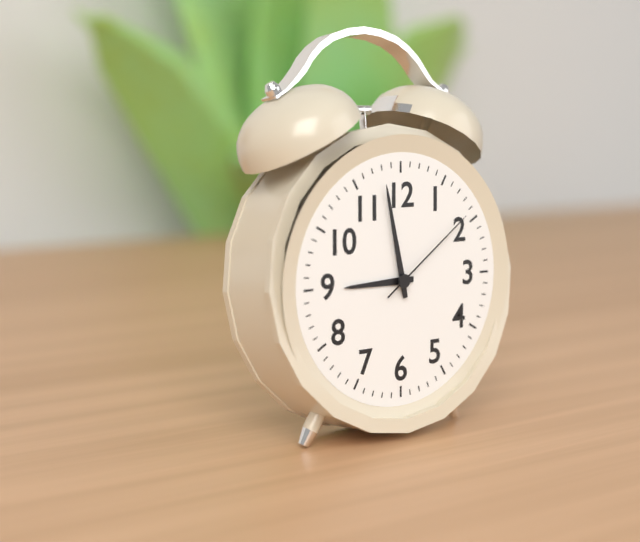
8:58:09
